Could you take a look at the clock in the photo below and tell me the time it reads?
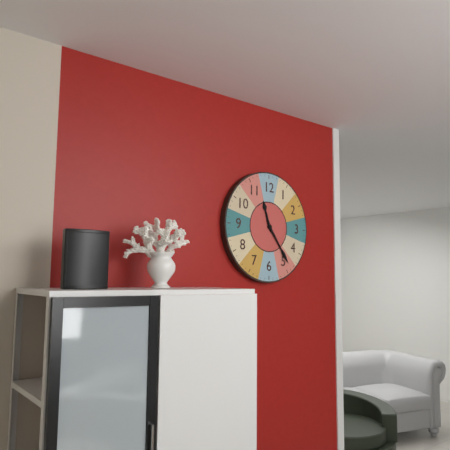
11:24
